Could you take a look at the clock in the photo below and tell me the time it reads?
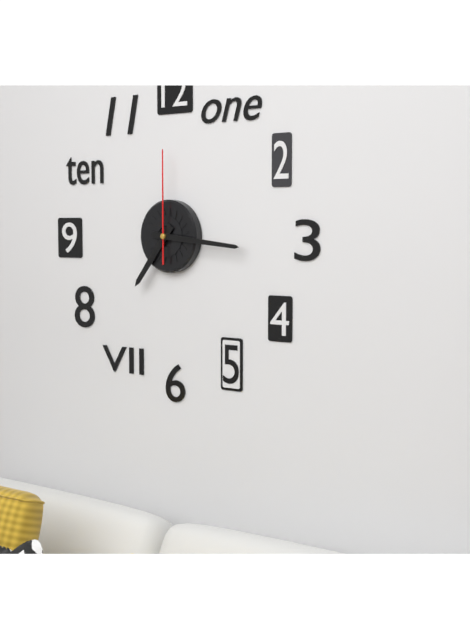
7:16:00
